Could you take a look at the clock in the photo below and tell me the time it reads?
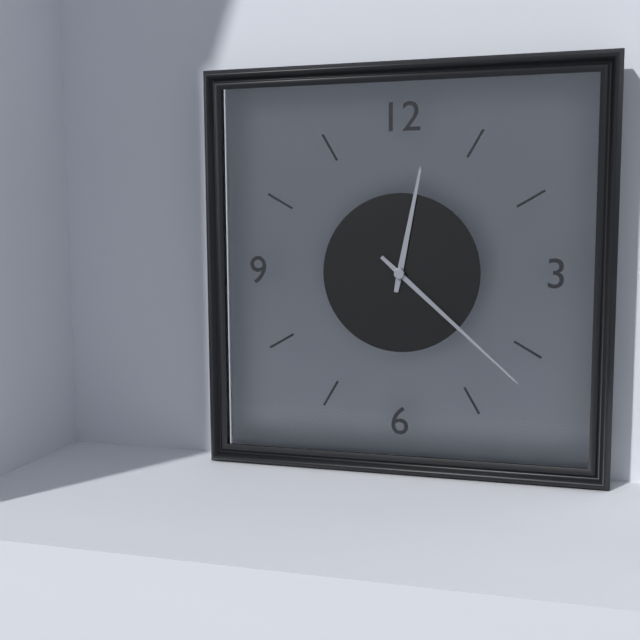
12:22
